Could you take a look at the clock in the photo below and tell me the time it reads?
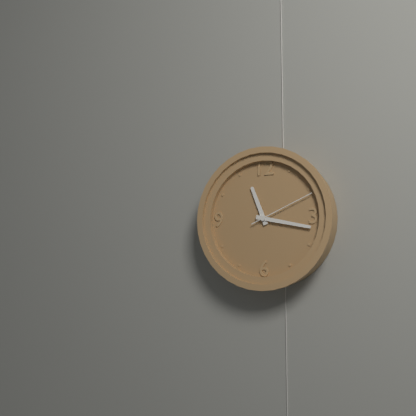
11:17:11
